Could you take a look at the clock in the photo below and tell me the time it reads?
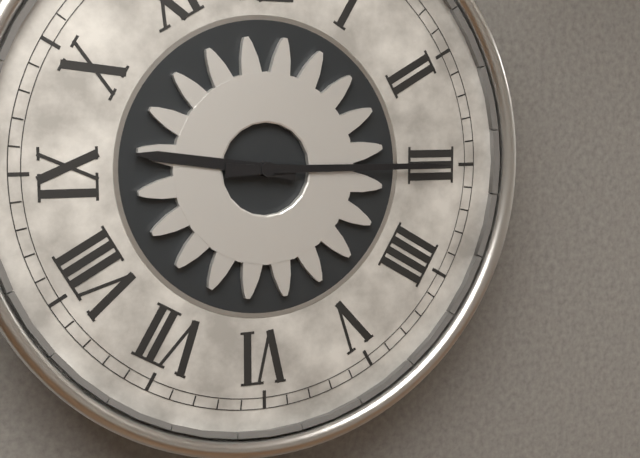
9:15
